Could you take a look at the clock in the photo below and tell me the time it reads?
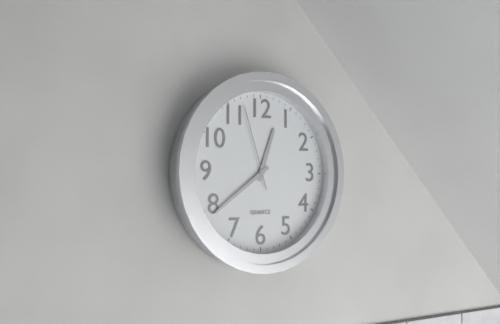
12:39:57
